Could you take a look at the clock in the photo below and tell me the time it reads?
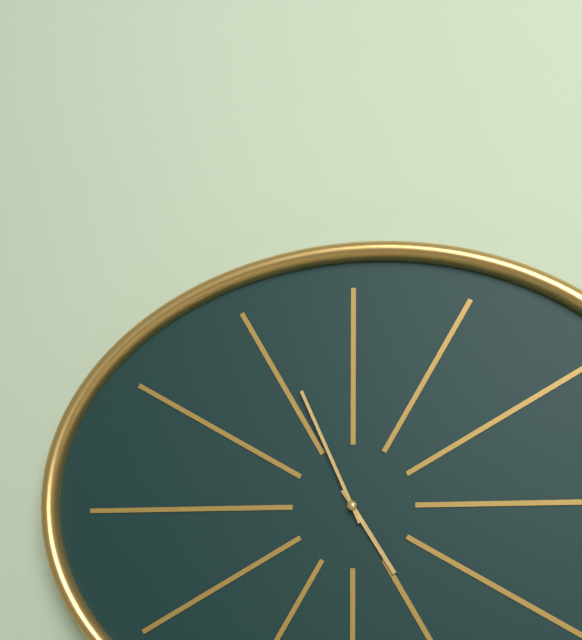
4:56
